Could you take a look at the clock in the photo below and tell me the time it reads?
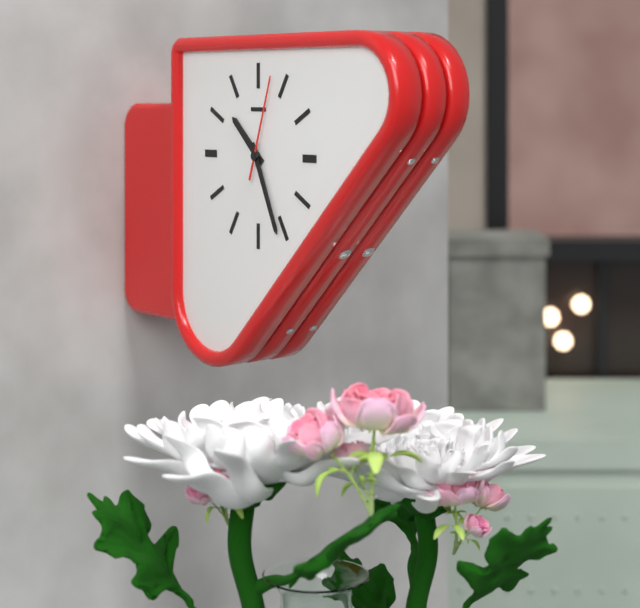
10:26:03
